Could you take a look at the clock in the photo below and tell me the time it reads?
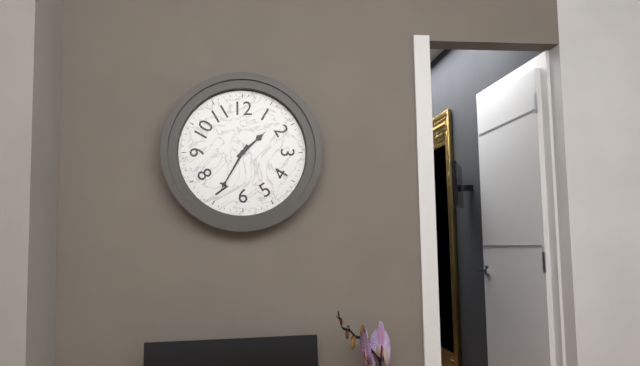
1:35
